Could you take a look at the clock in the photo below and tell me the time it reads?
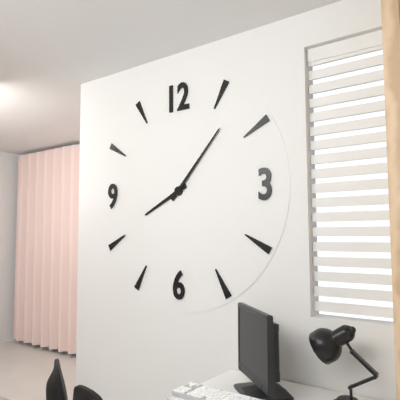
8:07
